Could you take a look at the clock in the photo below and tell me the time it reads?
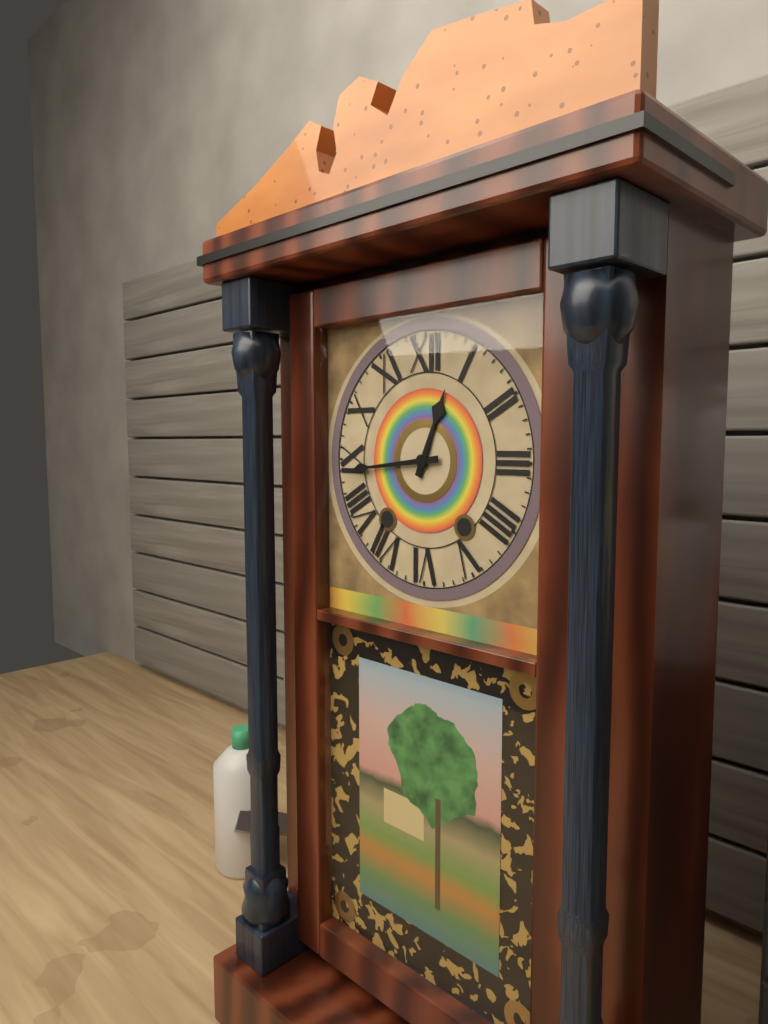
12:44
